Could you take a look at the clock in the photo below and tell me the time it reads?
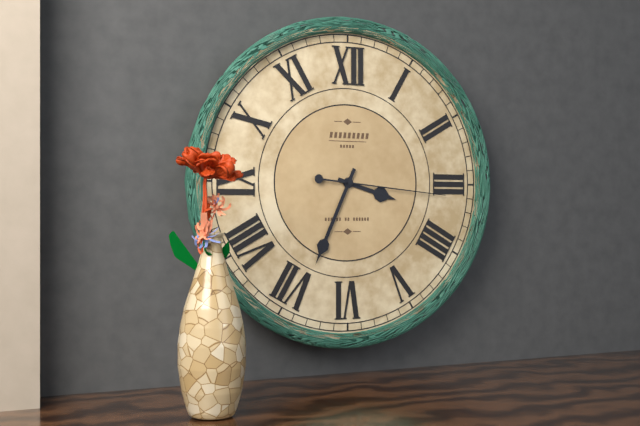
3:34:16
